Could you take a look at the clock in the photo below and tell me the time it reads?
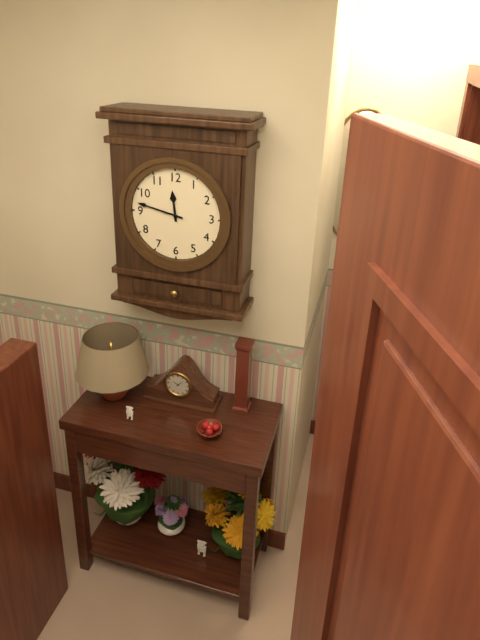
11:47
